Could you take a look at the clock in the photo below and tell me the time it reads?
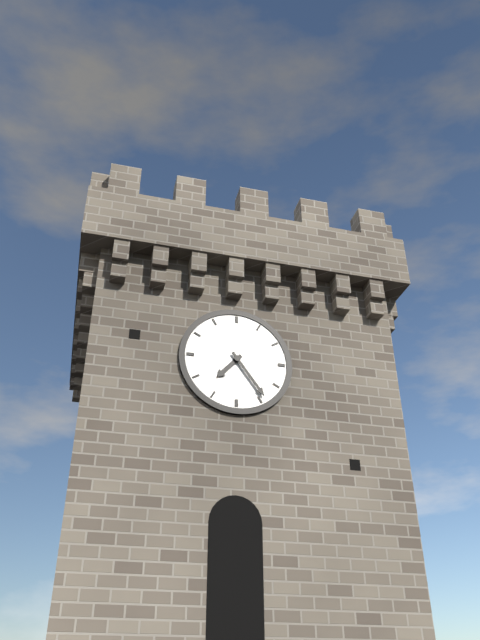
7:24
